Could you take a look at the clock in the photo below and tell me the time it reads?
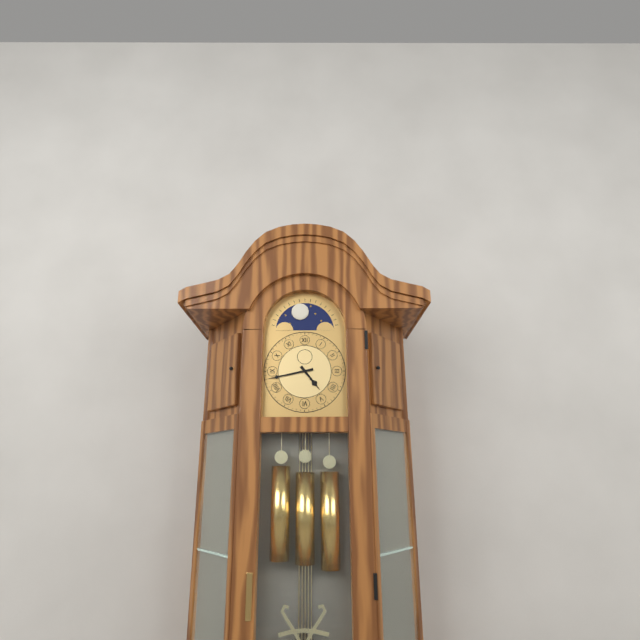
4:43
